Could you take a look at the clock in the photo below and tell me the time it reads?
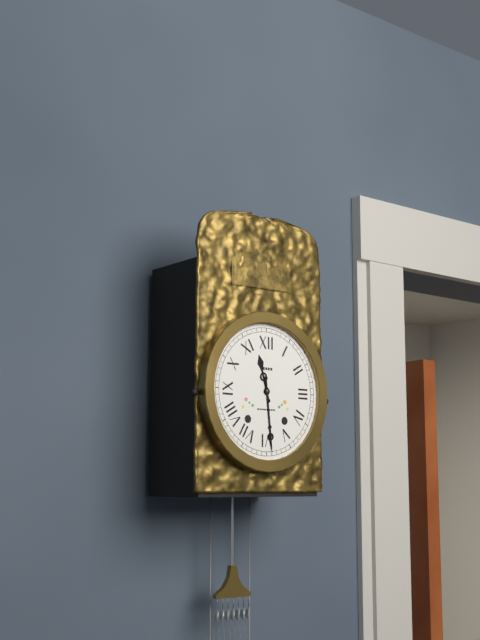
11:29
